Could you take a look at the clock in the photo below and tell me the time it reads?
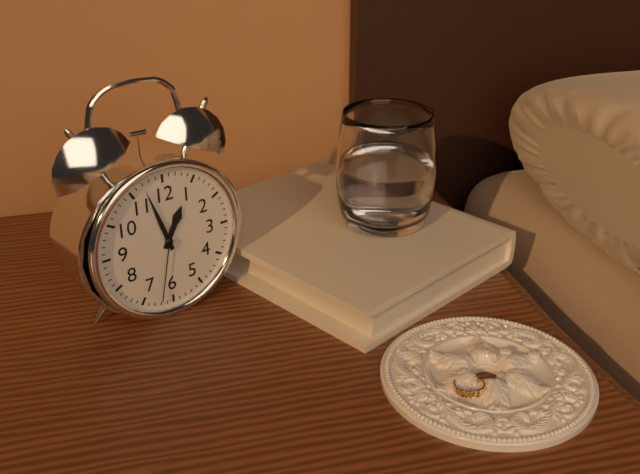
12:57:32
